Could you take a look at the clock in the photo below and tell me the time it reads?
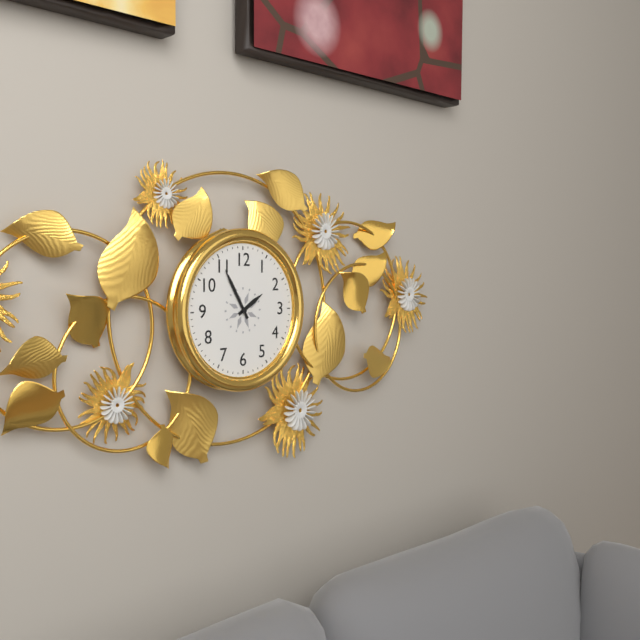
1:55
